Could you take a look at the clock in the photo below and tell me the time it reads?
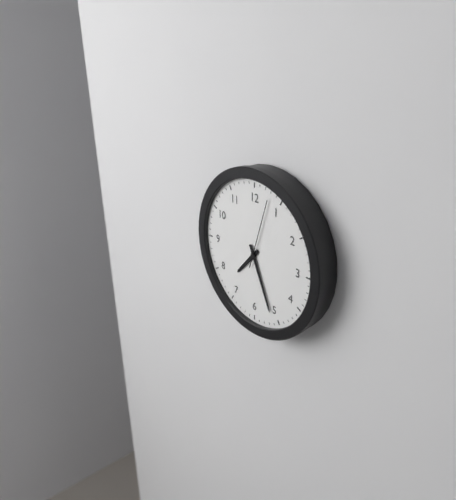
7:26:03
